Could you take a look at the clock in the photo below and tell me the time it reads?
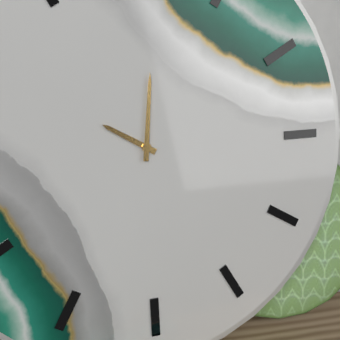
10:01
